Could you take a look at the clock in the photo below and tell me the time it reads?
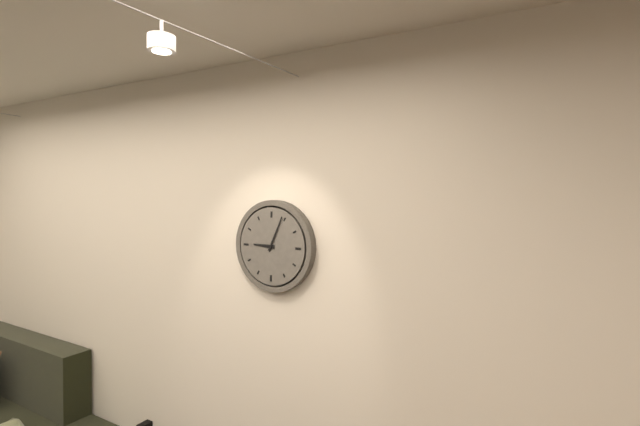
9:04
